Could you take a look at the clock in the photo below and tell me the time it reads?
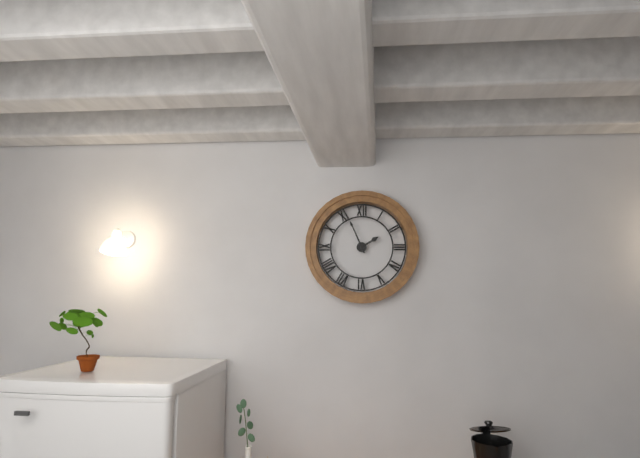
1:56
